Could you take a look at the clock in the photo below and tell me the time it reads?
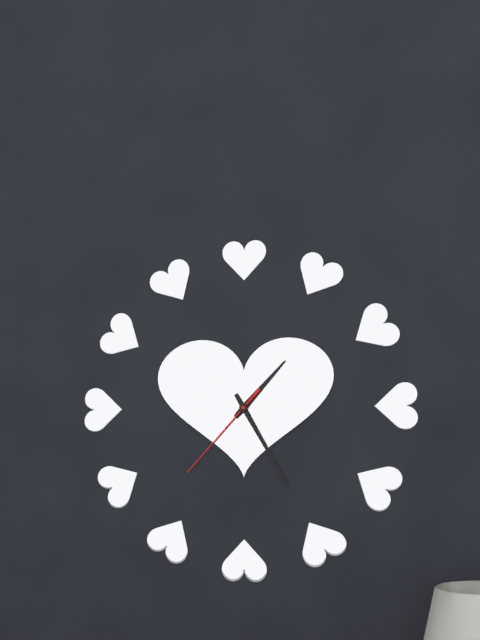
1:25:37
